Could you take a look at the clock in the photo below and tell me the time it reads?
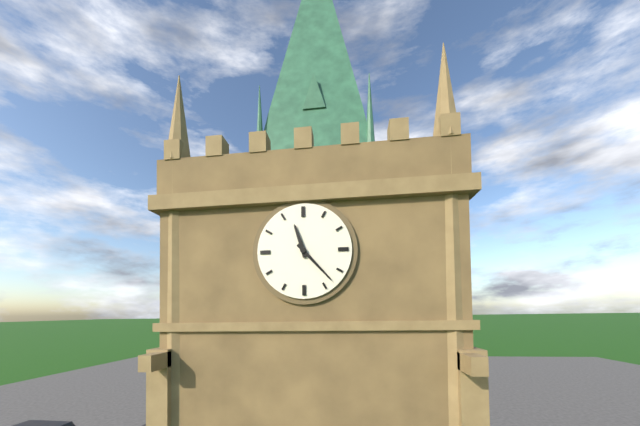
11:23
